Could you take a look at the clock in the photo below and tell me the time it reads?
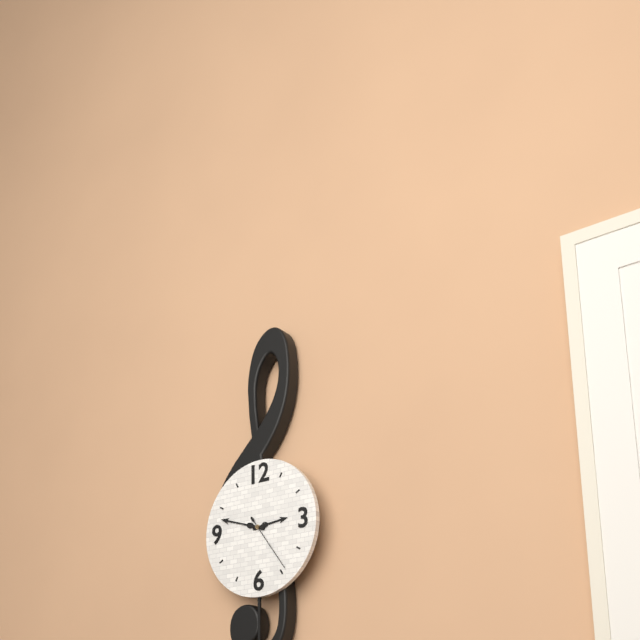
2:48:24
